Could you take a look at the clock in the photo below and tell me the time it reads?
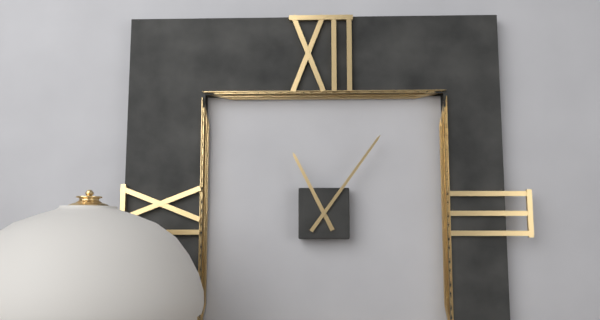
11:06
